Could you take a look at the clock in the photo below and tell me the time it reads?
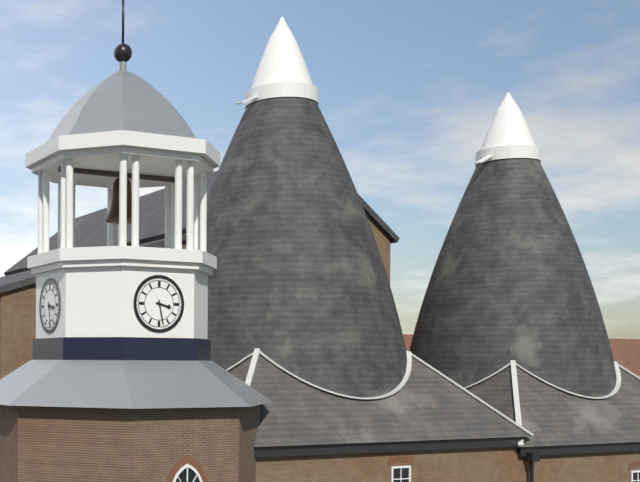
3:28
